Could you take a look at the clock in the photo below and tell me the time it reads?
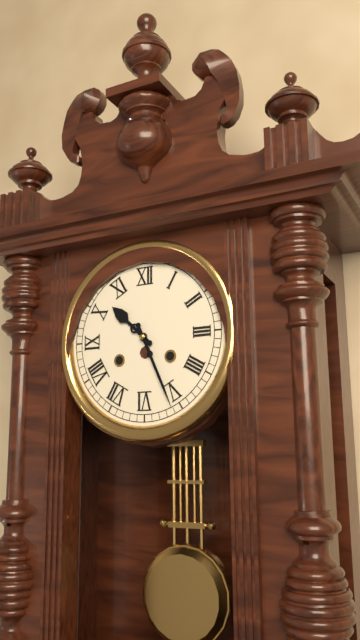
10:26
